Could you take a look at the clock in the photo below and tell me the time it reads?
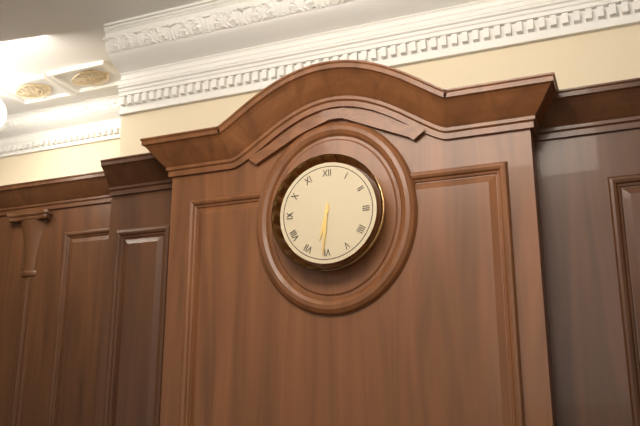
6:31
